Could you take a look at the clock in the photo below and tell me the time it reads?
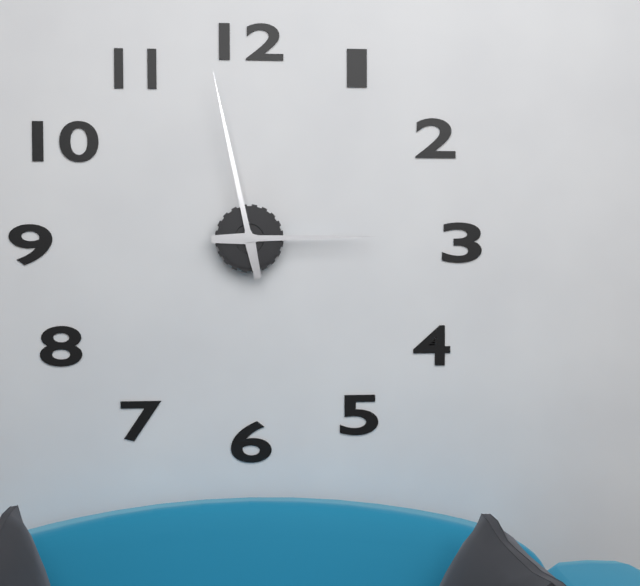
2:58
